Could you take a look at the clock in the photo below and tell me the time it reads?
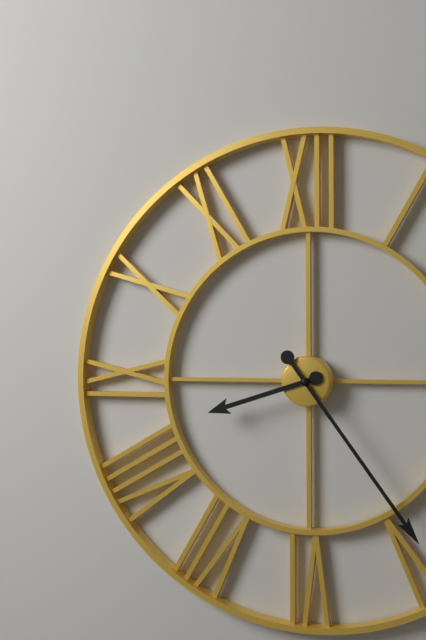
8:24
